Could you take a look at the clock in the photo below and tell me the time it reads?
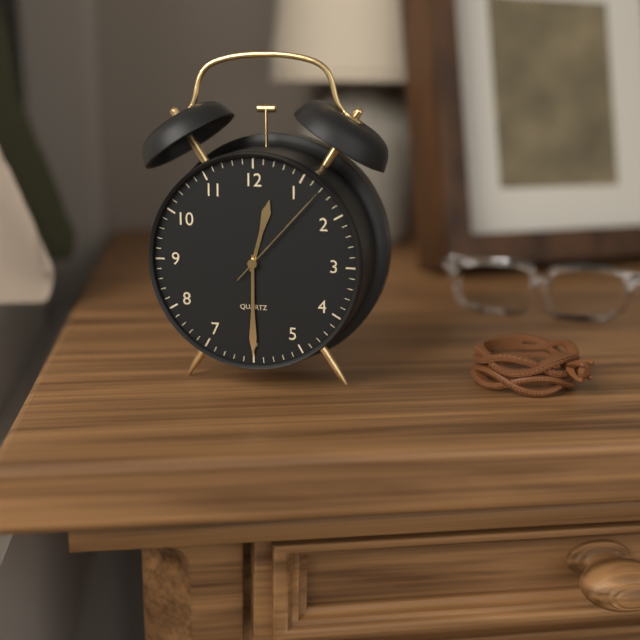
12:30:07
